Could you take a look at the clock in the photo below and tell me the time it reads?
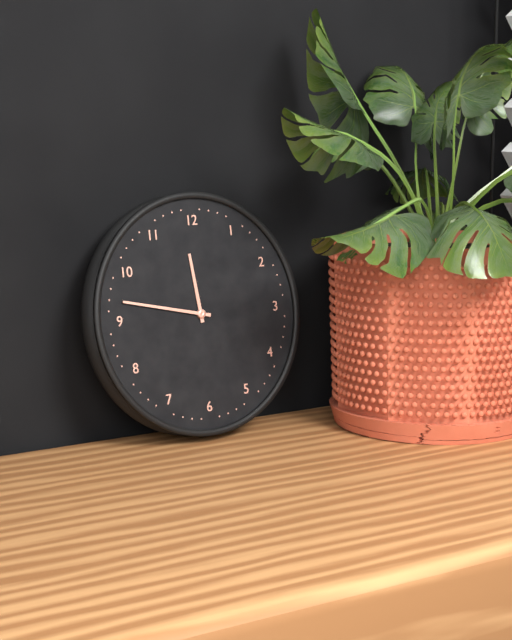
11:47
